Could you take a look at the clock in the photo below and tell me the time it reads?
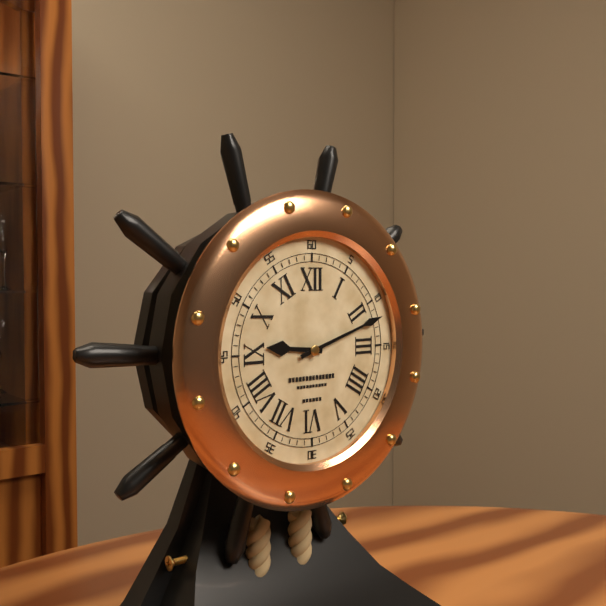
9:12
